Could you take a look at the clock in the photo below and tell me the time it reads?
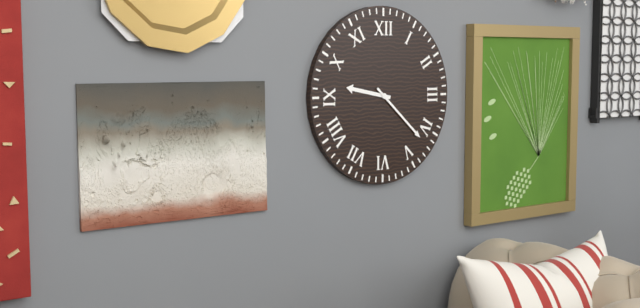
9:22
